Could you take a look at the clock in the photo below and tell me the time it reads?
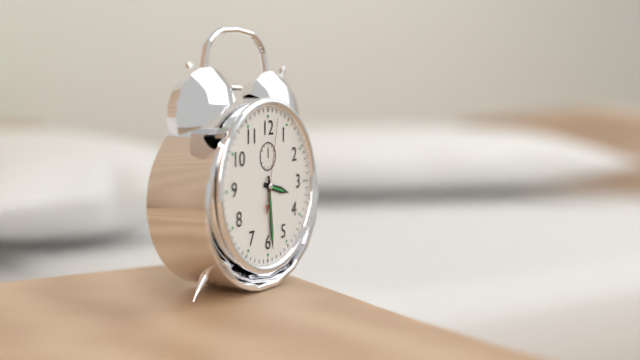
3:29:02
